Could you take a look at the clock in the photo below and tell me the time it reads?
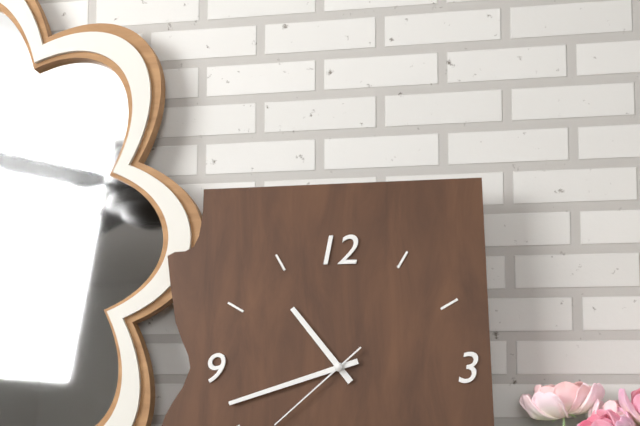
10:42:38
